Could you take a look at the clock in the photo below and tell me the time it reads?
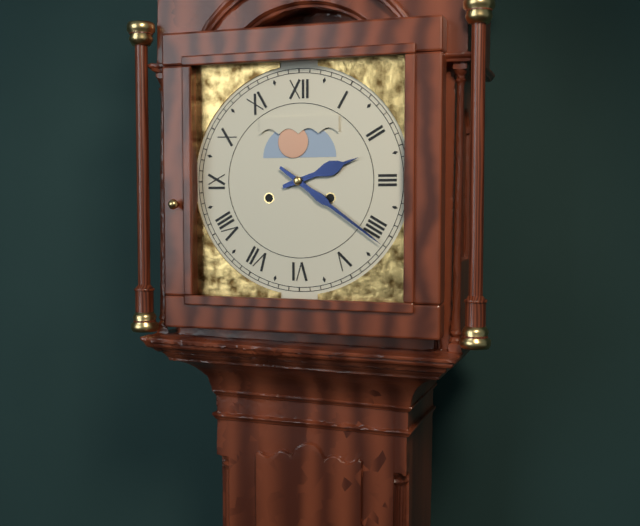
2:21
